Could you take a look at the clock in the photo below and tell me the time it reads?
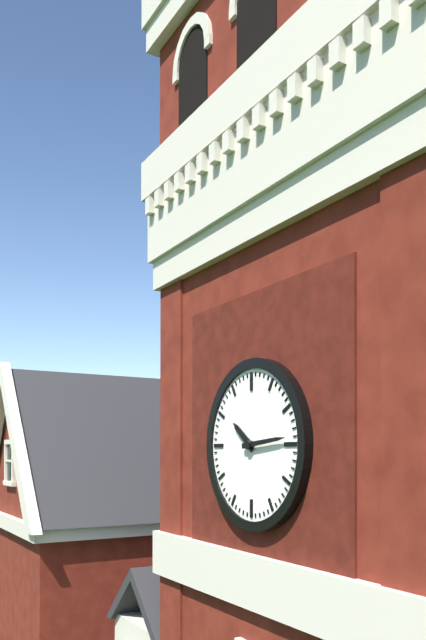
10:14
